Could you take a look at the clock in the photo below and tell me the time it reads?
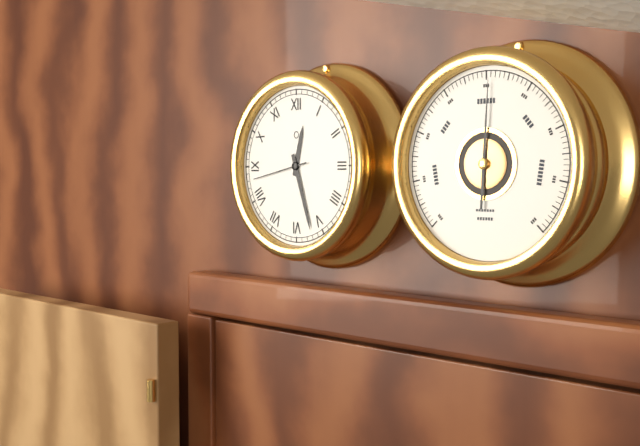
12:27:43
